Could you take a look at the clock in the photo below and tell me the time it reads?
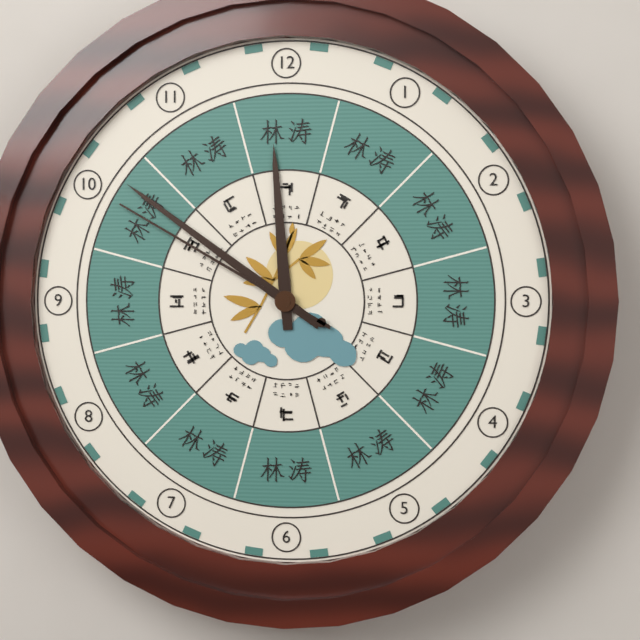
11:51:50
